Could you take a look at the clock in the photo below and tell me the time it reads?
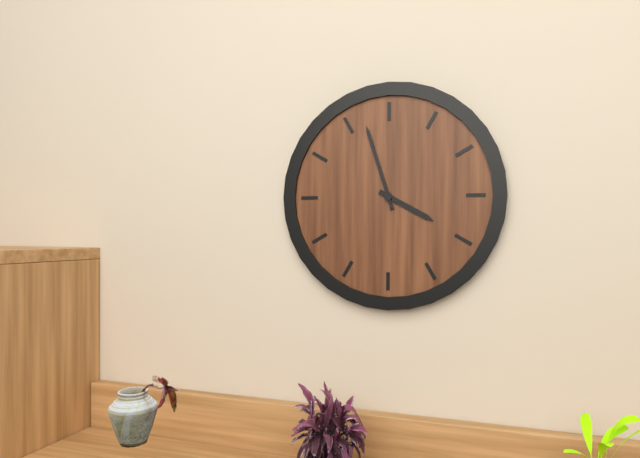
3:57
